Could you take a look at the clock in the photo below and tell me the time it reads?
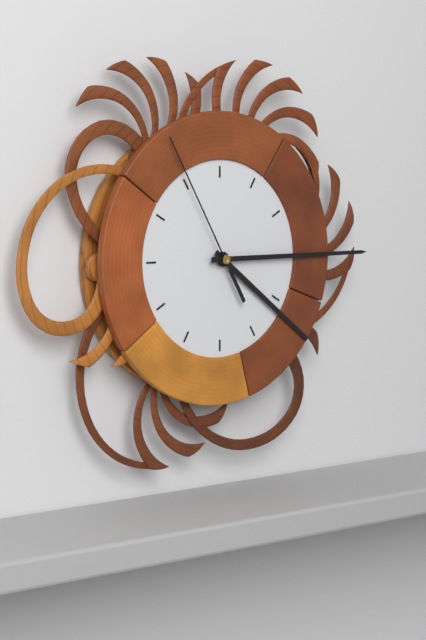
4:15:55
